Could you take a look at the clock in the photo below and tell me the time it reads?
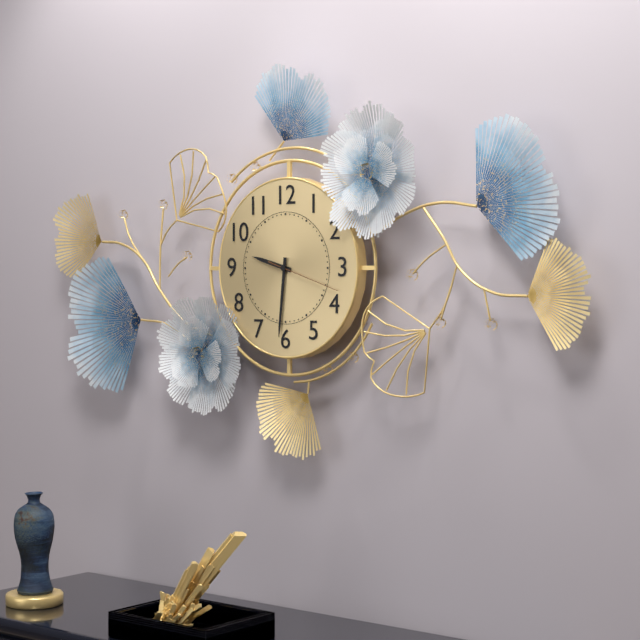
9:31:18
